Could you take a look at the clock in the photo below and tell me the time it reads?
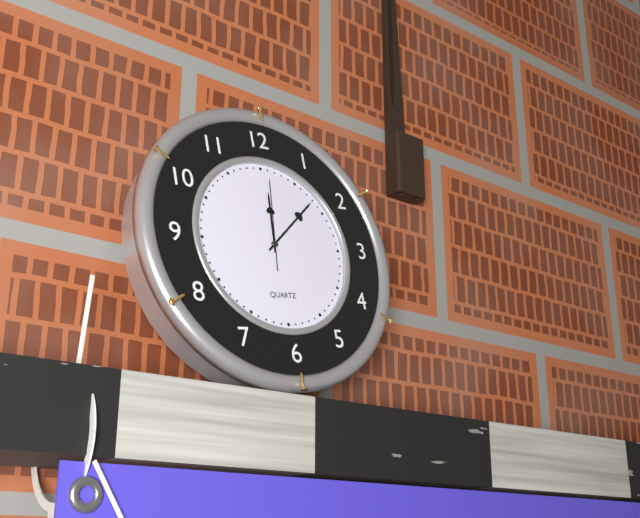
12:08:01
